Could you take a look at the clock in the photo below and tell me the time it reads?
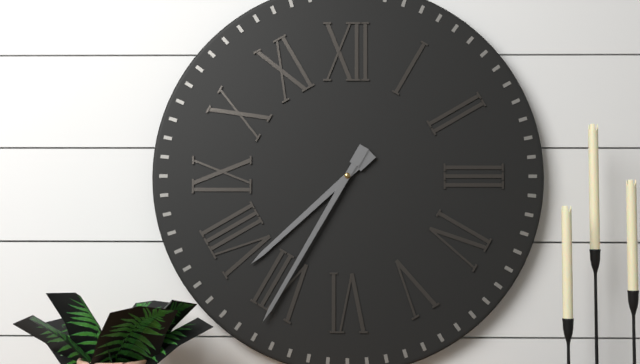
7:35
